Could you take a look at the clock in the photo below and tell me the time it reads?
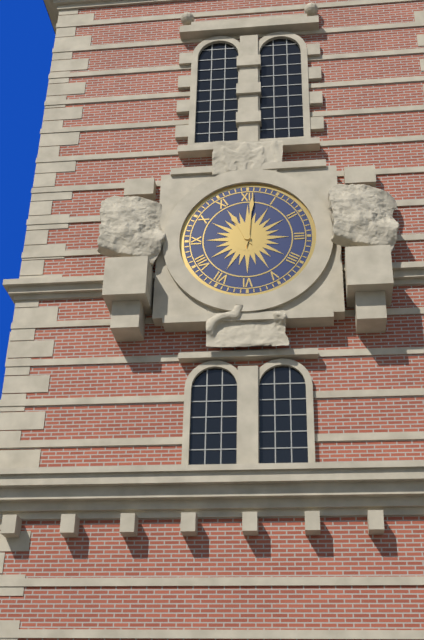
11:01
